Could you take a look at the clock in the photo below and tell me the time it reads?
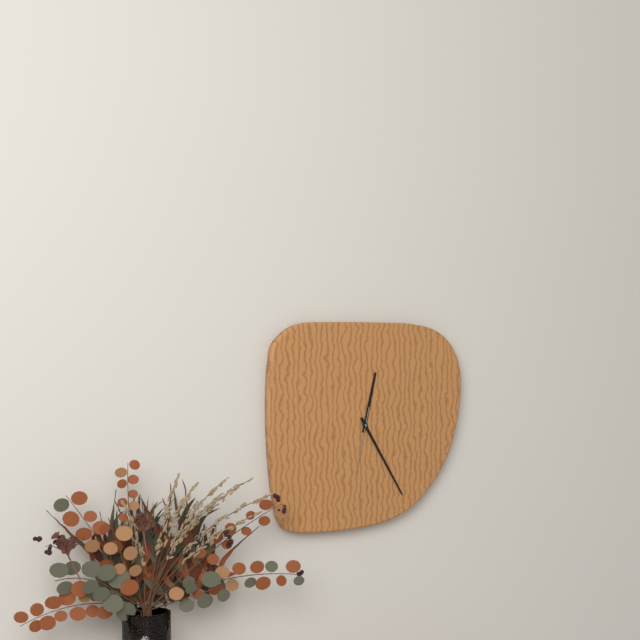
12:25:32
